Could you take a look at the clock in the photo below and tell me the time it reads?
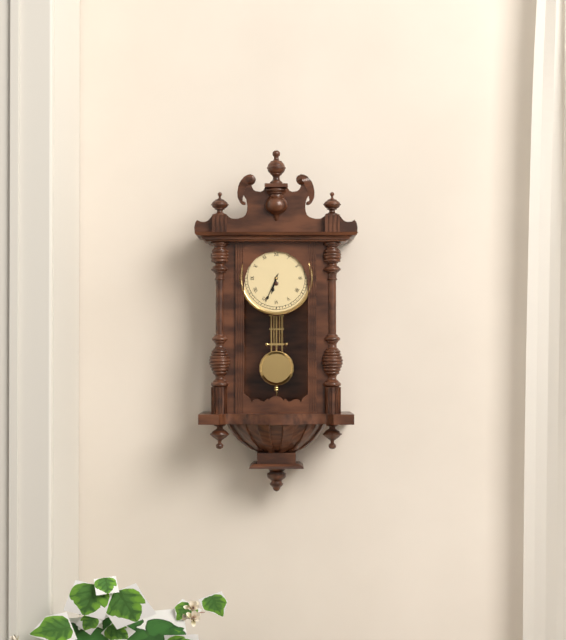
6:34
